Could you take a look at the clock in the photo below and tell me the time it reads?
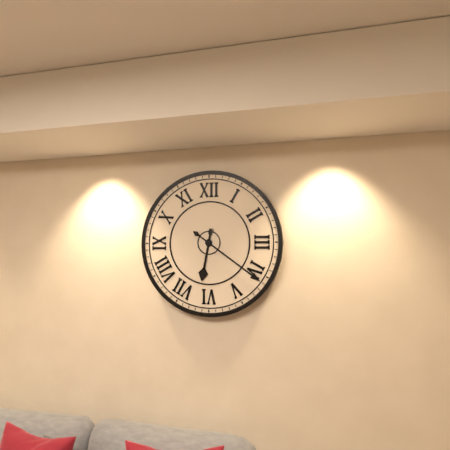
6:21
